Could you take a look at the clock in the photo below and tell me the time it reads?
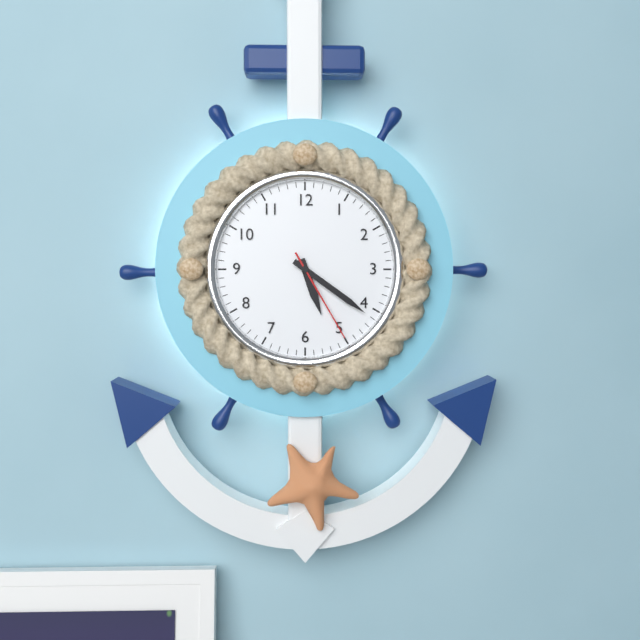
5:21:25
